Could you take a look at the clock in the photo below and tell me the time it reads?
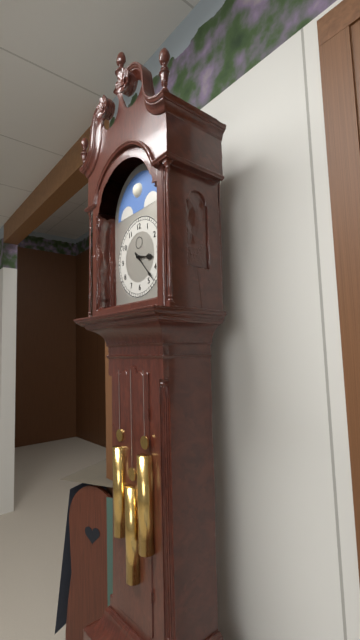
3:23
